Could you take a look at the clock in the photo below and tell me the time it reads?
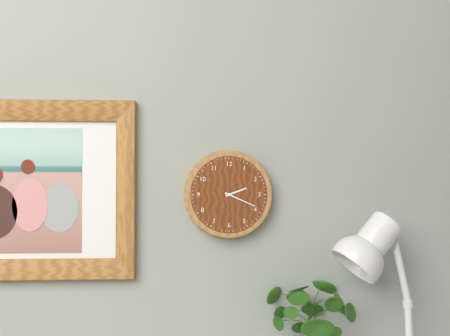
2:19
